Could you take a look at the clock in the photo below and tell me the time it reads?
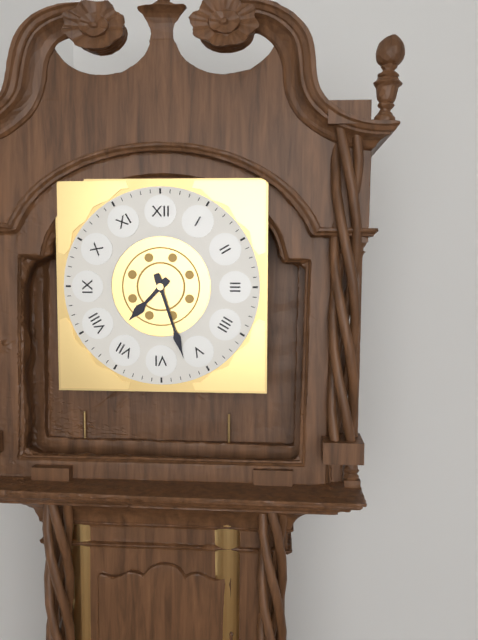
7:27
